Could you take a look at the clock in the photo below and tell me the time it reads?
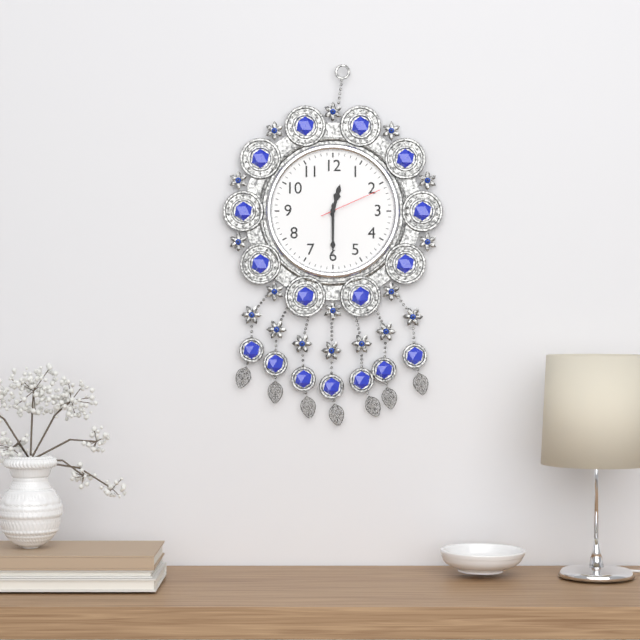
12:30:11
